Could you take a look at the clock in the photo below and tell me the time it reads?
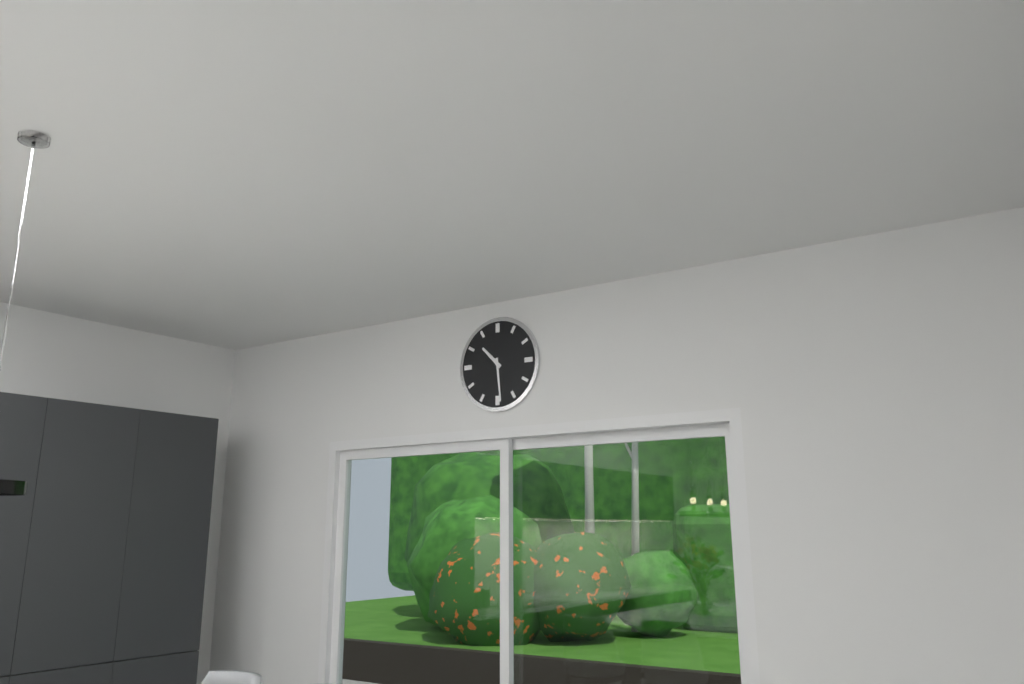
10:29
